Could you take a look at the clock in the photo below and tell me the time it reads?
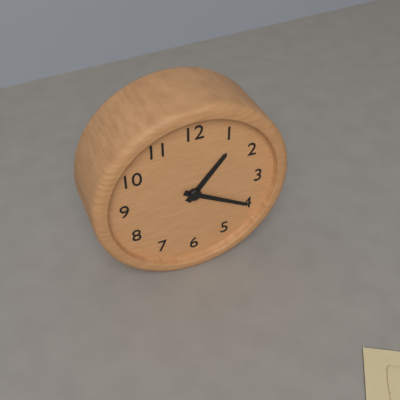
1:20
